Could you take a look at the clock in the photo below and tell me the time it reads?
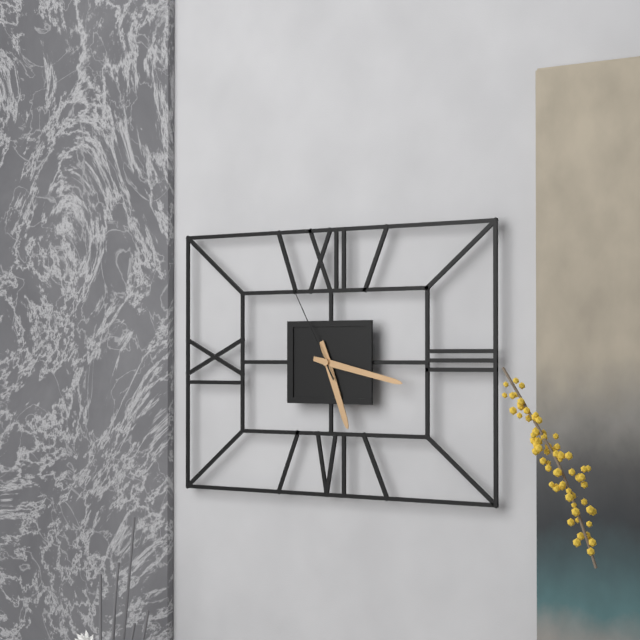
5:17:55
